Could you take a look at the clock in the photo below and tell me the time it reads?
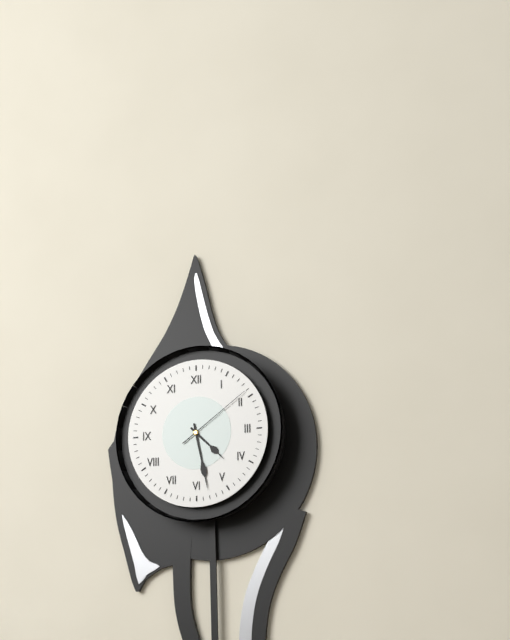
4:28:09
